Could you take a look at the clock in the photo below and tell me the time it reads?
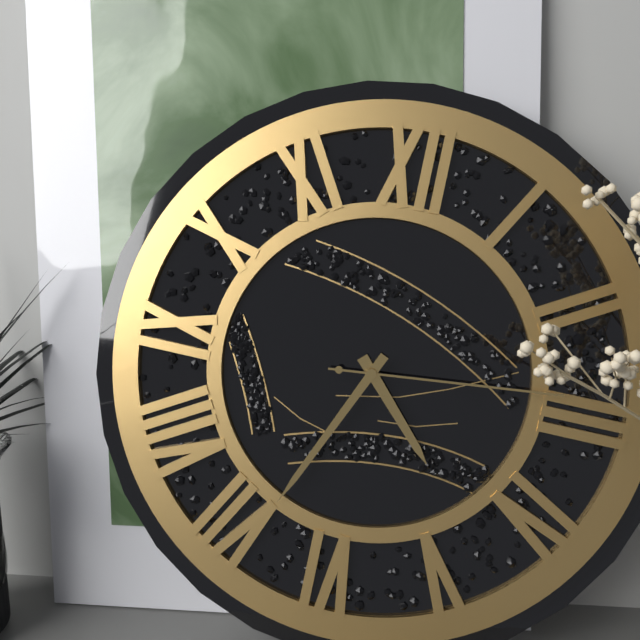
4:34:14
